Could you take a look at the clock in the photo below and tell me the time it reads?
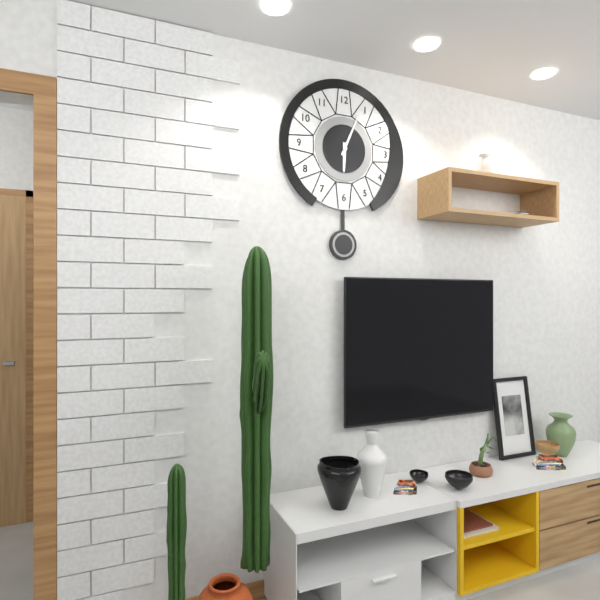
6:04
